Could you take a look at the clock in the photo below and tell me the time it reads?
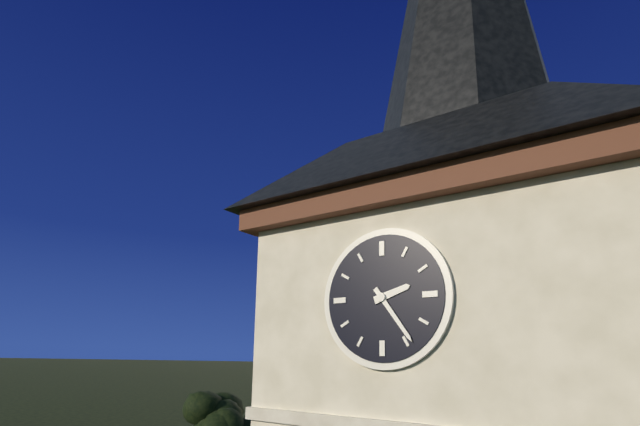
2:24
